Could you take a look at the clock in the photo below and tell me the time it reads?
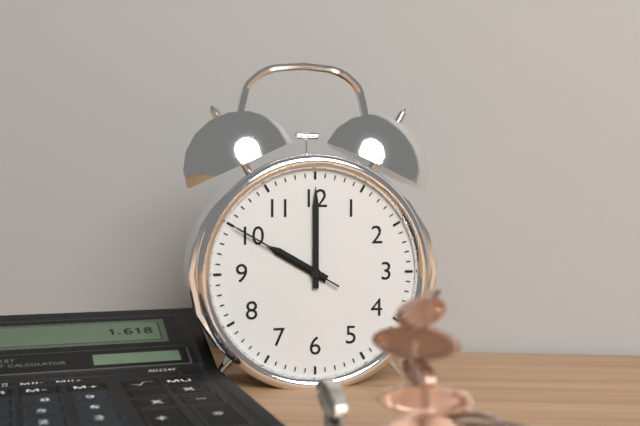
10:00:50
